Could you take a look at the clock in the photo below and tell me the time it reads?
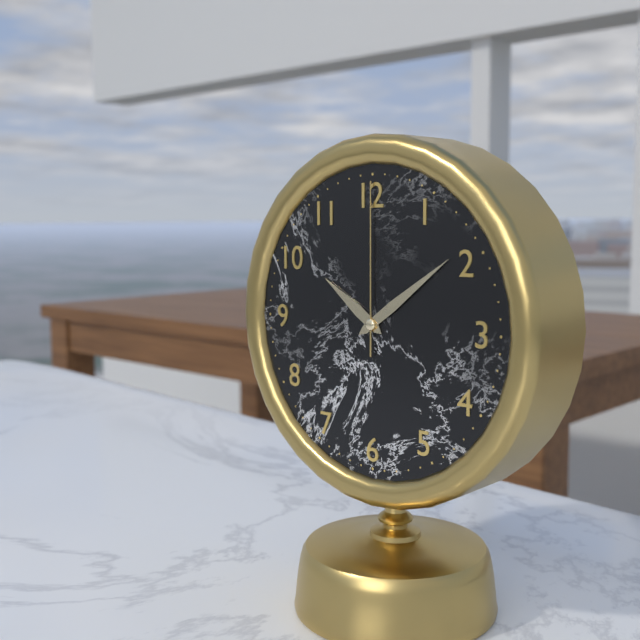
10:09:00
